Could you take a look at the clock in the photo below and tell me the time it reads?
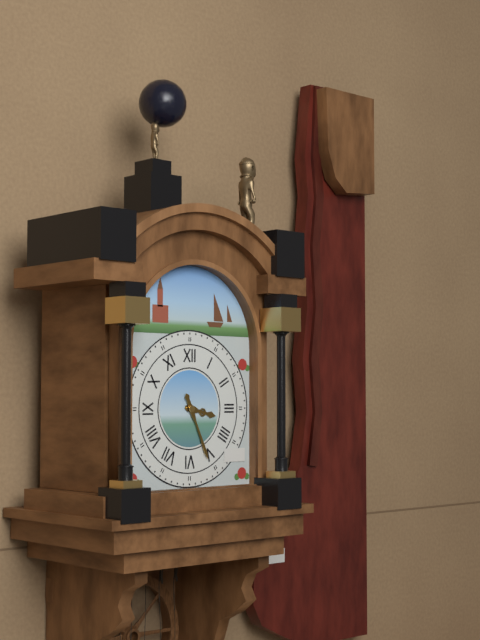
3:26
